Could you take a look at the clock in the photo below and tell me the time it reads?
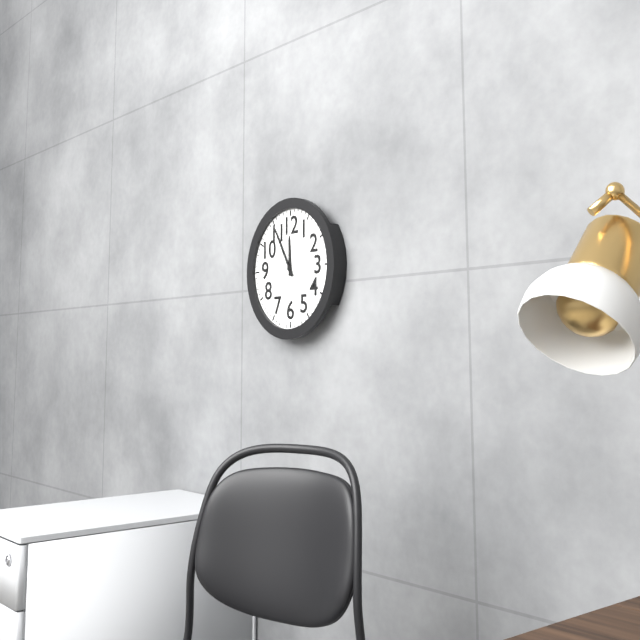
11:55
